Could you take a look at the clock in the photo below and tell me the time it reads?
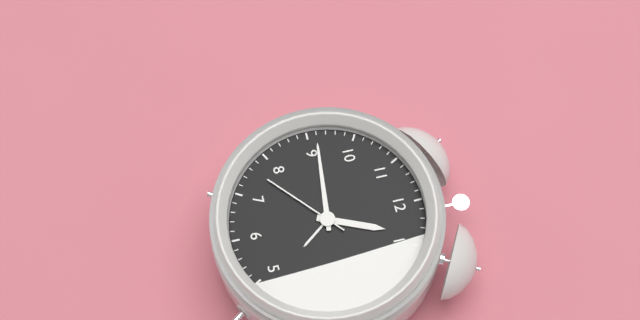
12:46:38
